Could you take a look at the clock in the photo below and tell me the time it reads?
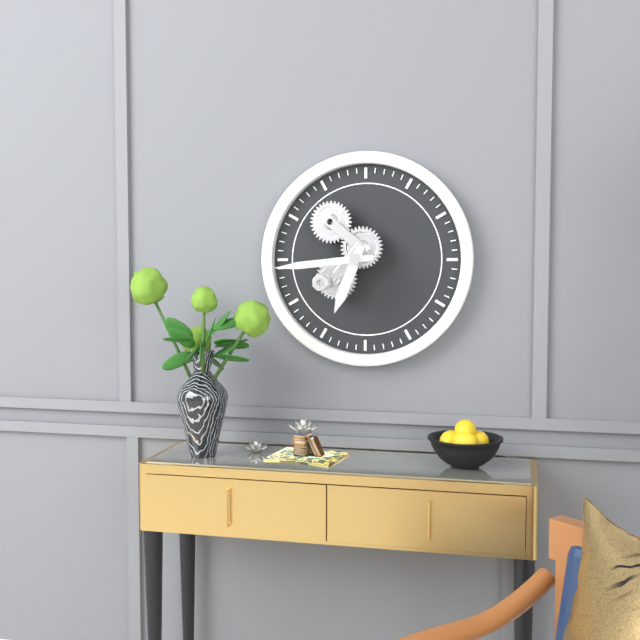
6:44
